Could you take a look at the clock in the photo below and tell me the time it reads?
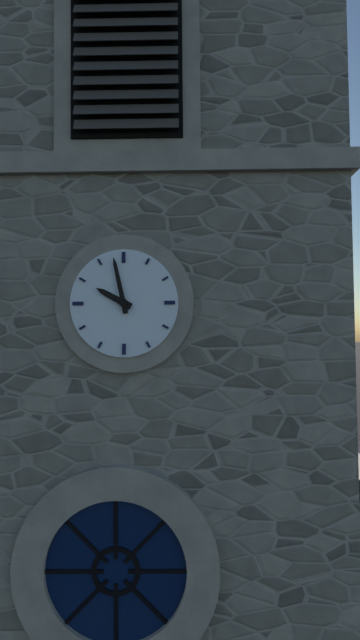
9:58
